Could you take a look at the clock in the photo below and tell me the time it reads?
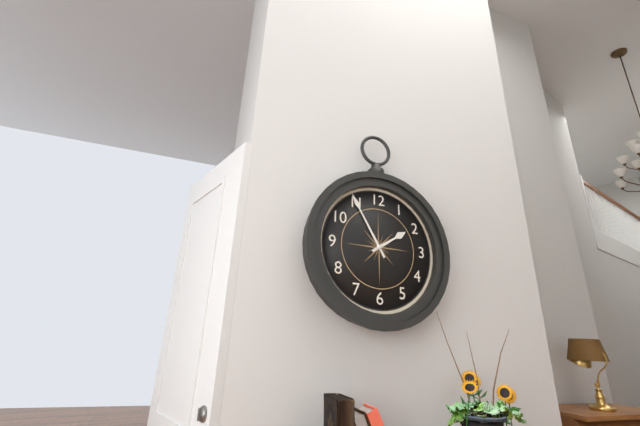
1:55
